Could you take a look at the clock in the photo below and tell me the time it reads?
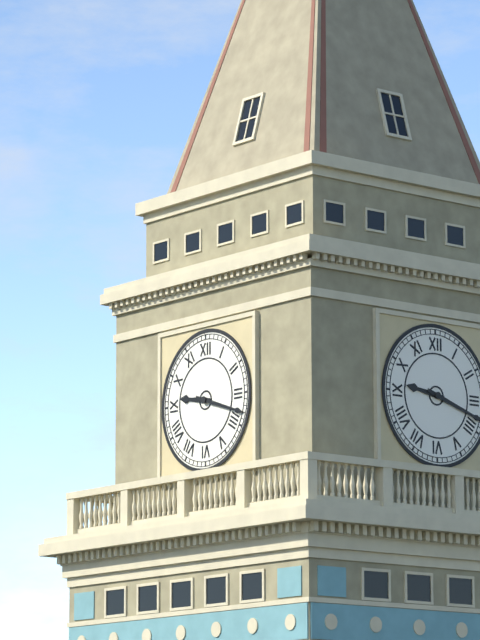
9:18
